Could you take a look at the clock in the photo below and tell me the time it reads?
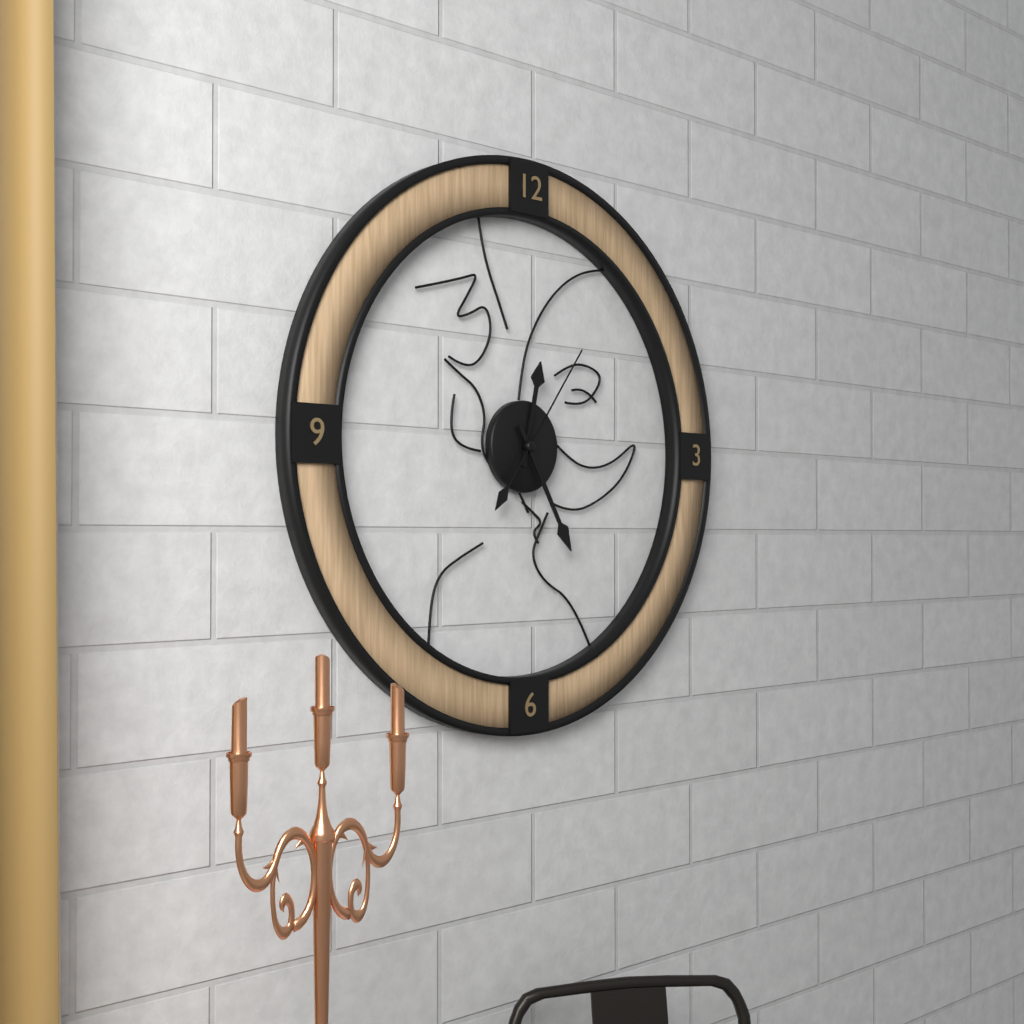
12:25:06
